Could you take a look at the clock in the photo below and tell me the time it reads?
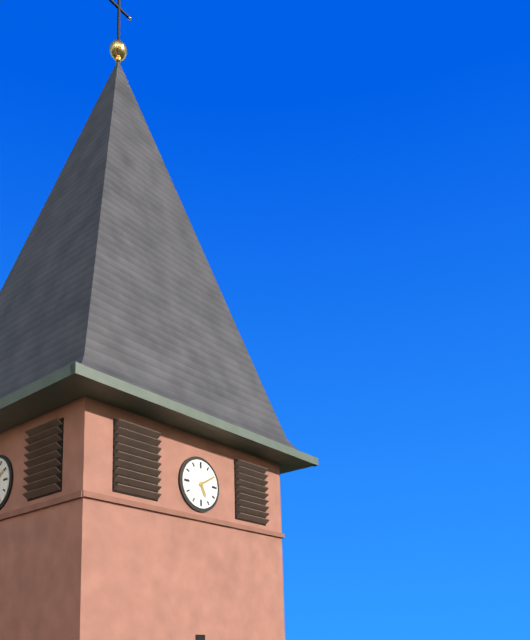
5:10
